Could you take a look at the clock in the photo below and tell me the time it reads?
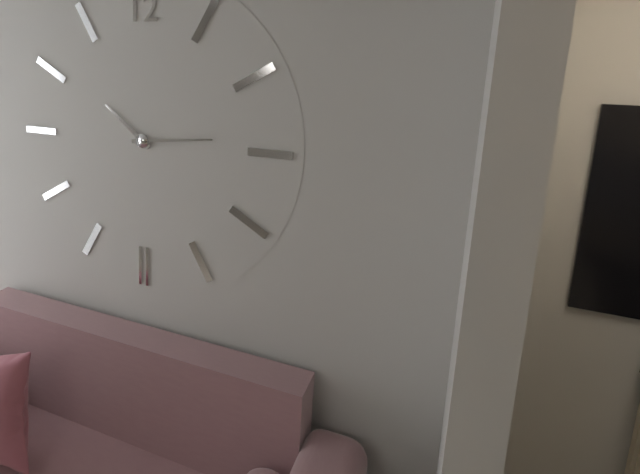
10:14
